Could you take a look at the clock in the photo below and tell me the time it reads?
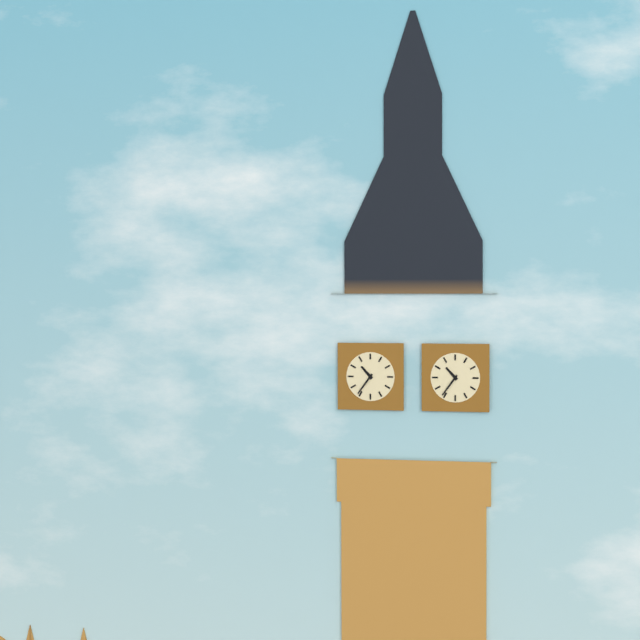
10:36
